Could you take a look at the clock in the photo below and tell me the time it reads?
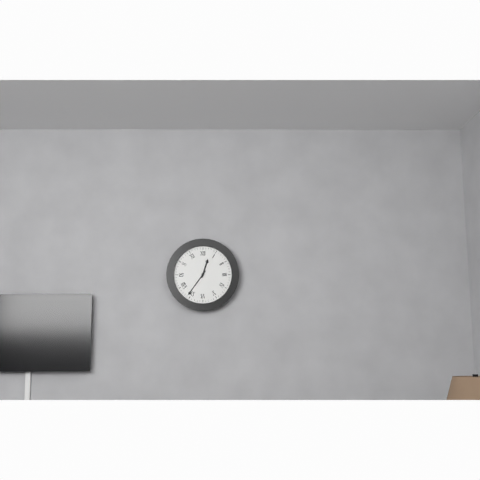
12:36
